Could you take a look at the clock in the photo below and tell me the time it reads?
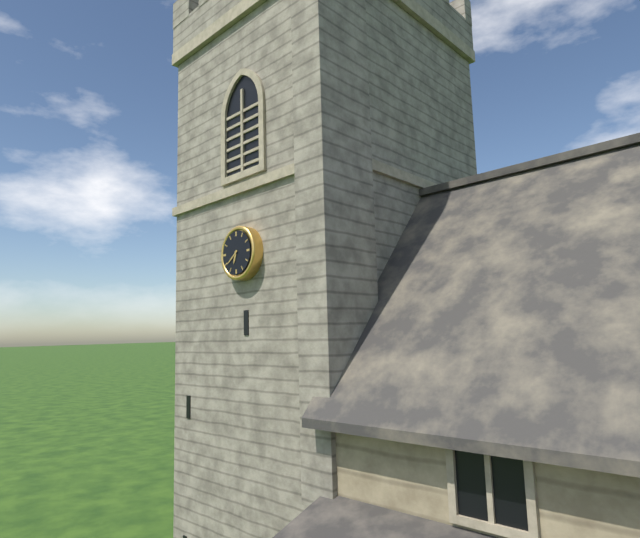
6:39
